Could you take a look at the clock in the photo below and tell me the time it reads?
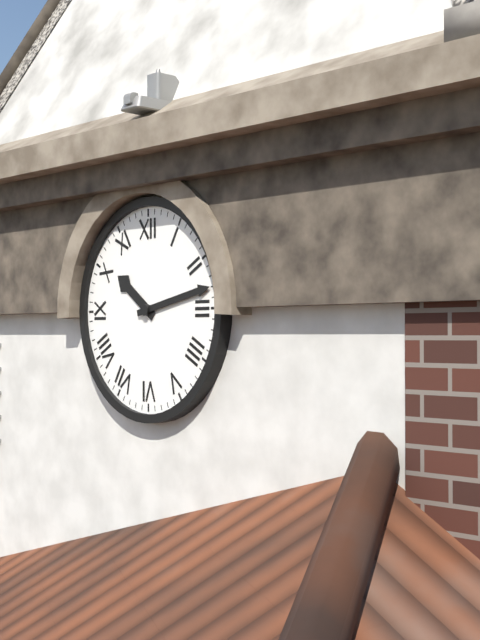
10:13
